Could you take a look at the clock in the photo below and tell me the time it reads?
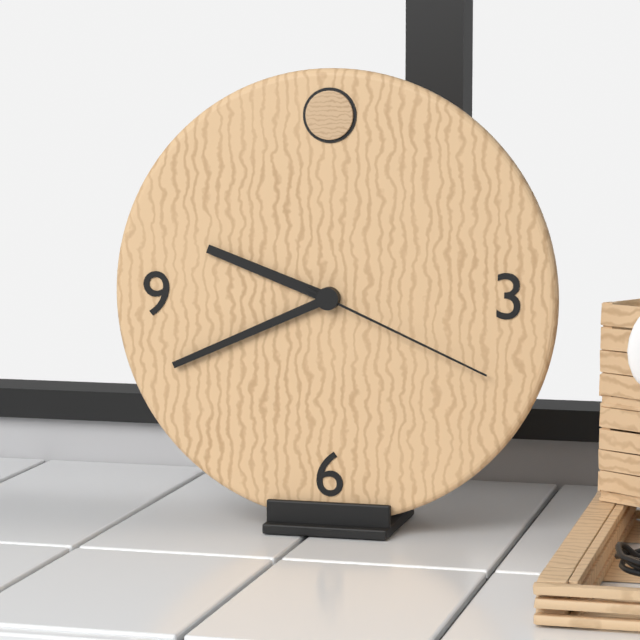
9:41:19
